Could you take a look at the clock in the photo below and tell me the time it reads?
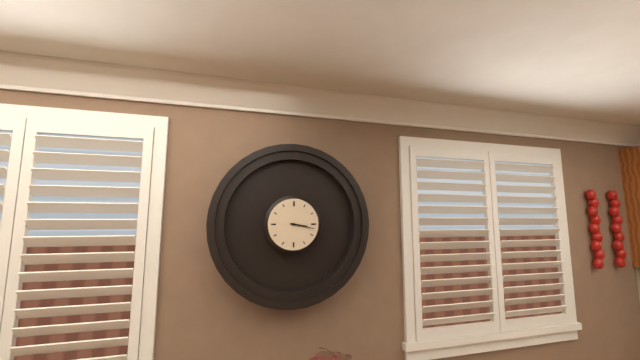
3:17
